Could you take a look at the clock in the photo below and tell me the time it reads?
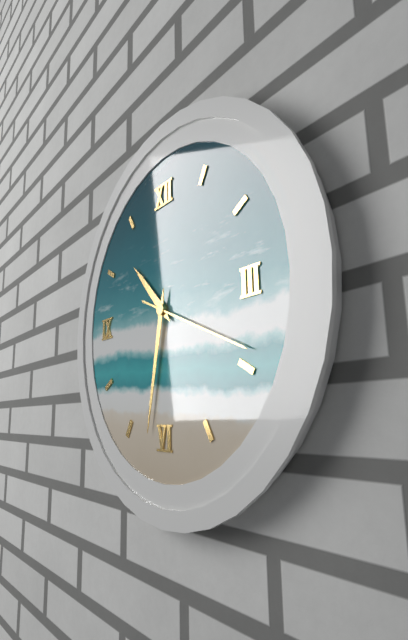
10:32:19
